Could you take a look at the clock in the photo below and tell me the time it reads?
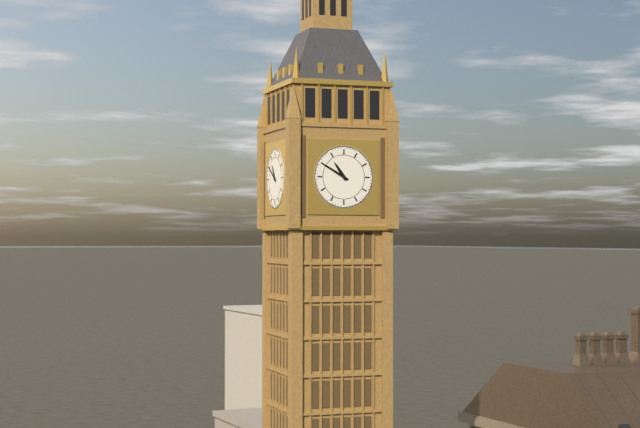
10:50
